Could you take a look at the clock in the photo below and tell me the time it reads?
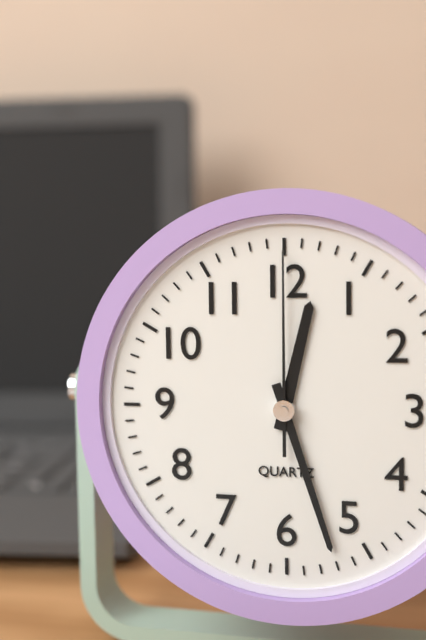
12:27:00
